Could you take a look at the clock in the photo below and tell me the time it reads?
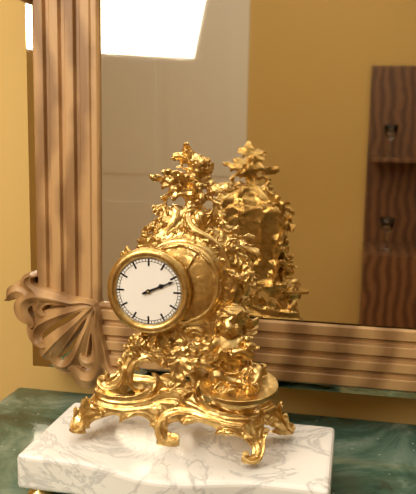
2:11
